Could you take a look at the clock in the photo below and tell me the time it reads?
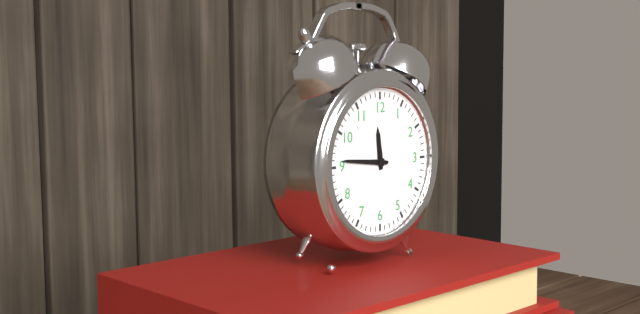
11:46
